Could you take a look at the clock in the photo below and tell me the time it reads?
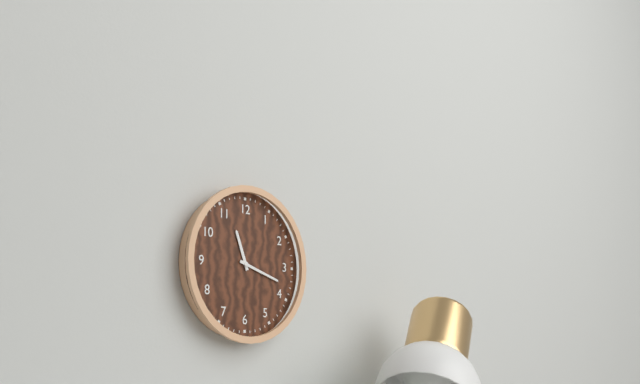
11:18
